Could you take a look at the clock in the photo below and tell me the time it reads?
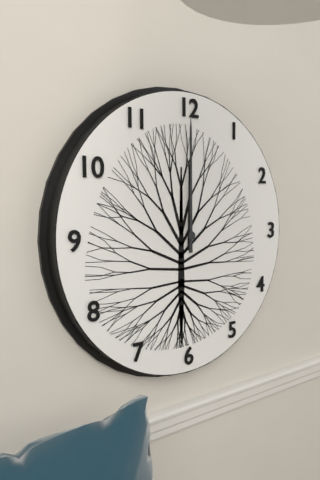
12:00
